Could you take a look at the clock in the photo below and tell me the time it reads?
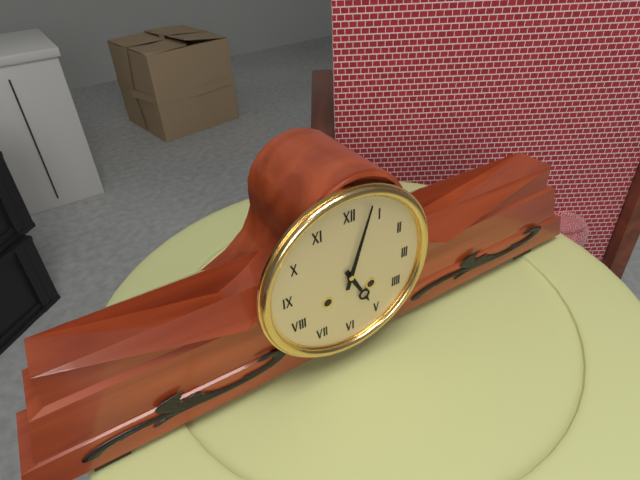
5:03
